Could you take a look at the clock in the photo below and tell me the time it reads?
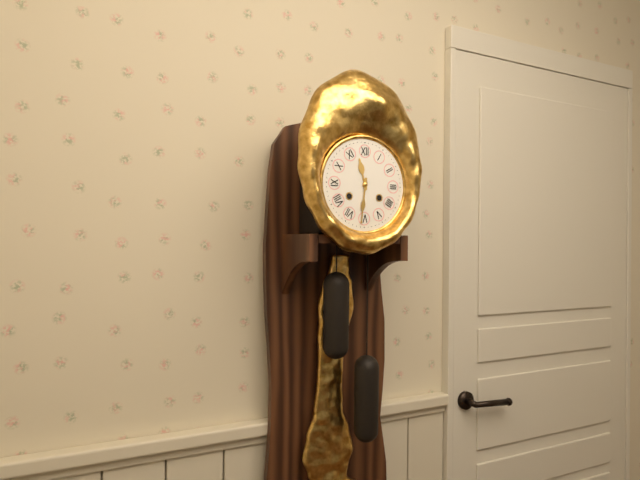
11:31
